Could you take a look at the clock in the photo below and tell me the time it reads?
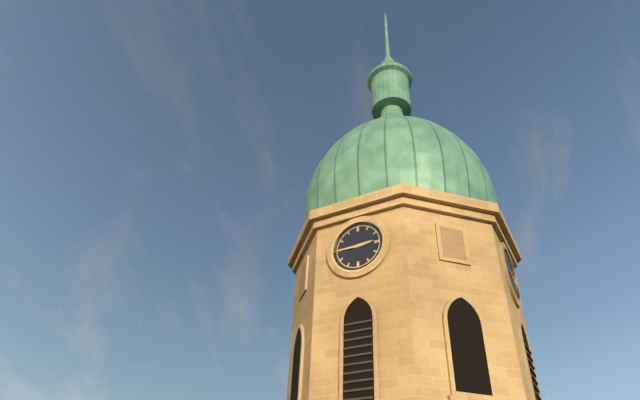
2:45
